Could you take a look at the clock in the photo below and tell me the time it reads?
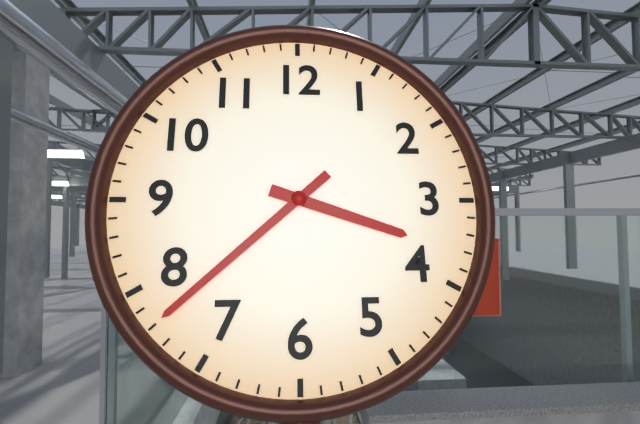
3:38
